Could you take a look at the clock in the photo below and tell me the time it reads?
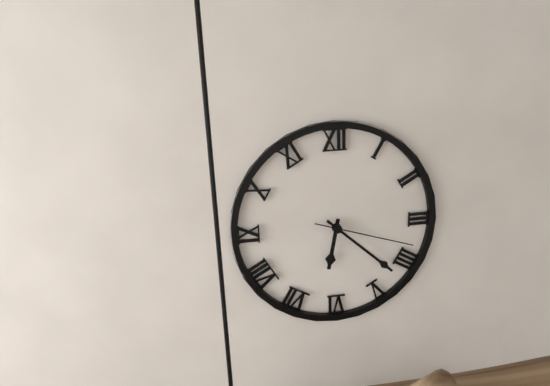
6:22:18
